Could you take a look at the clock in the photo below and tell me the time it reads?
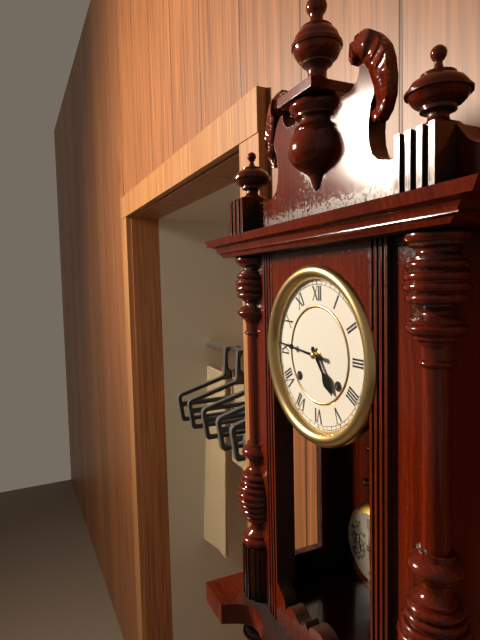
4:46
